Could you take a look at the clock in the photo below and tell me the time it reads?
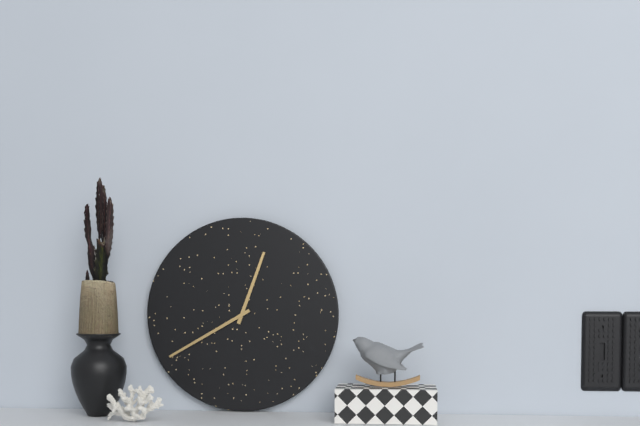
12:40
